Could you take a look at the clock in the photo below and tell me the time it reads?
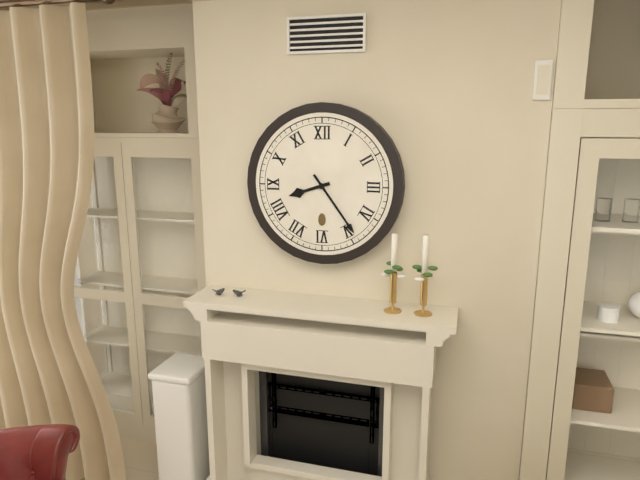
8:24
